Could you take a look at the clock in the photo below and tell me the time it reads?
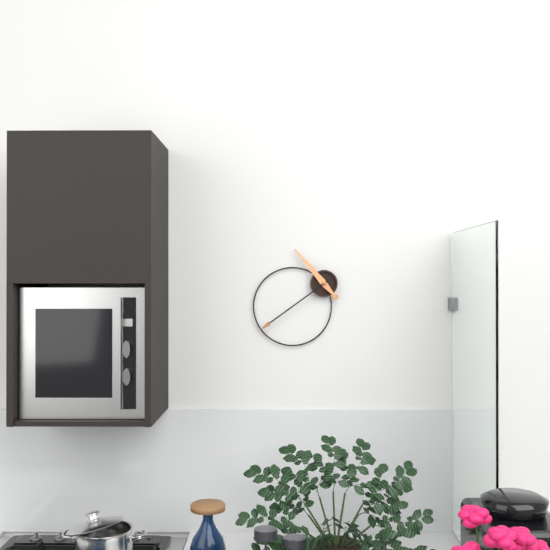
10:39
